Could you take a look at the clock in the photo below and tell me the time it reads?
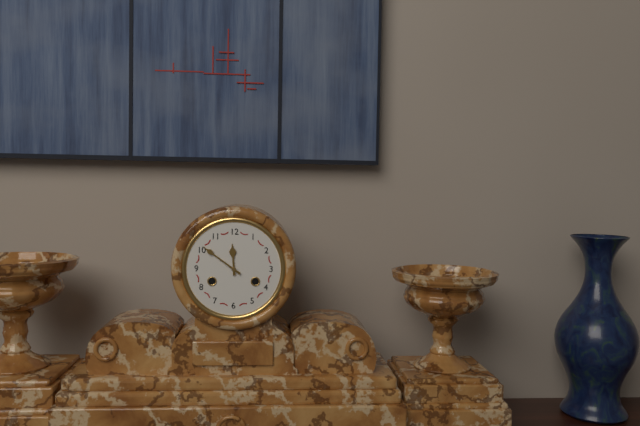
11:51
